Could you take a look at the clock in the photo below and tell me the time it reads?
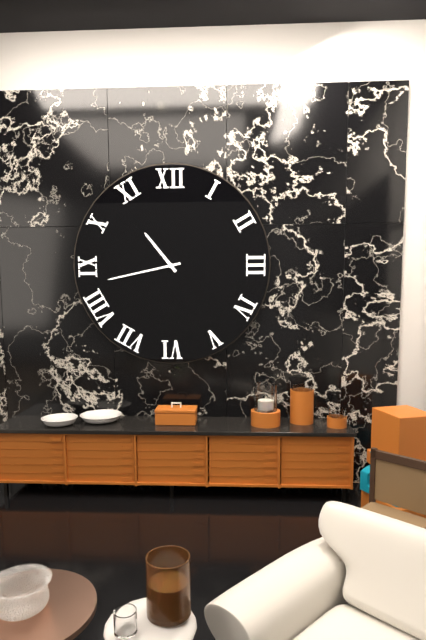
10:43
